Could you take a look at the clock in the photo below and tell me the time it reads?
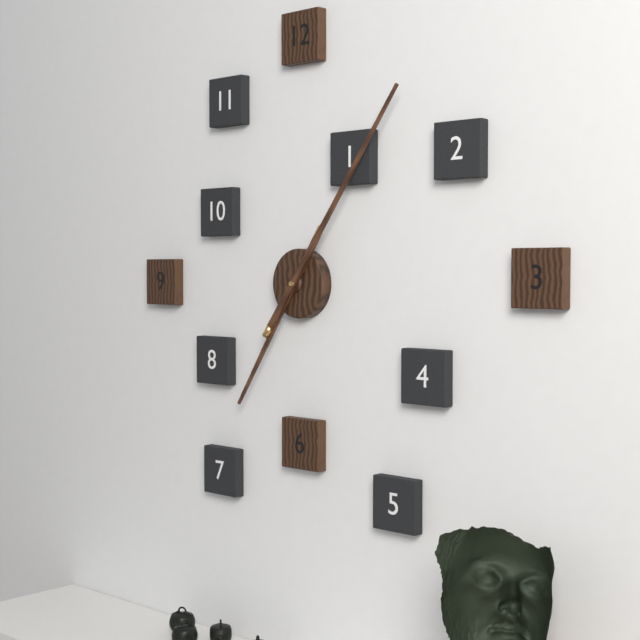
7:06
